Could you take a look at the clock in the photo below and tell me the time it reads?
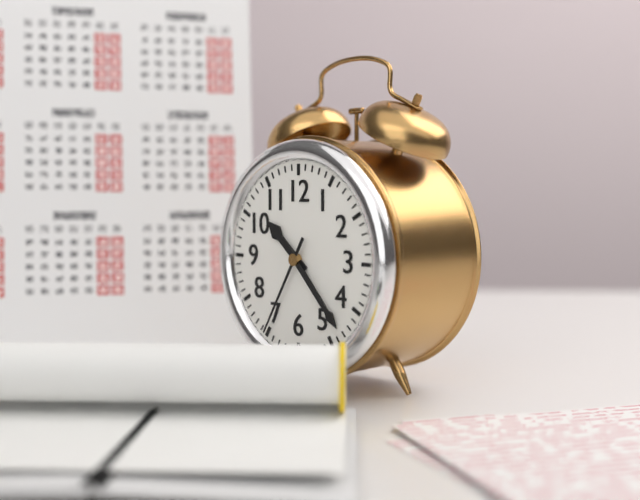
10:23:35
